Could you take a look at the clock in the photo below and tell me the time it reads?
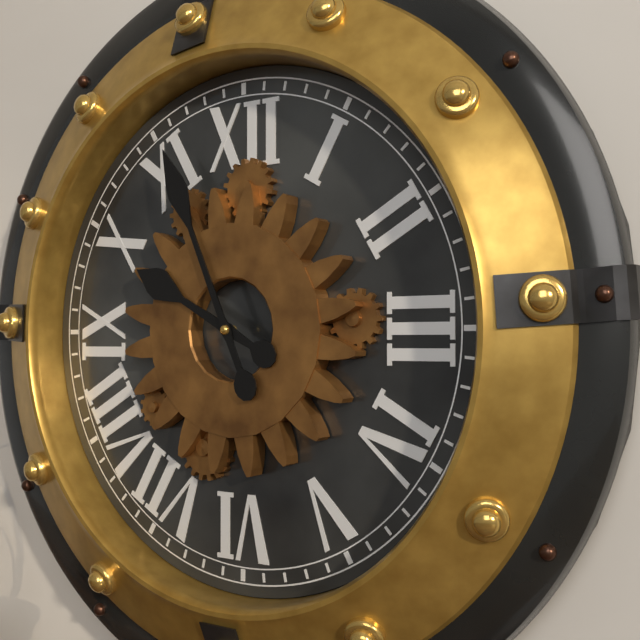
9:56
